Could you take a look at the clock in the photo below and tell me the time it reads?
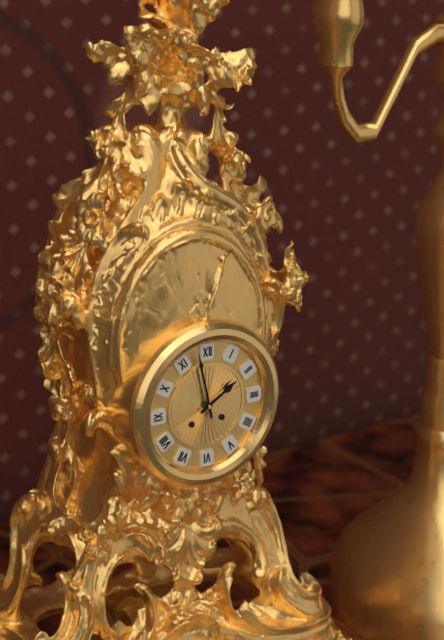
1:58
